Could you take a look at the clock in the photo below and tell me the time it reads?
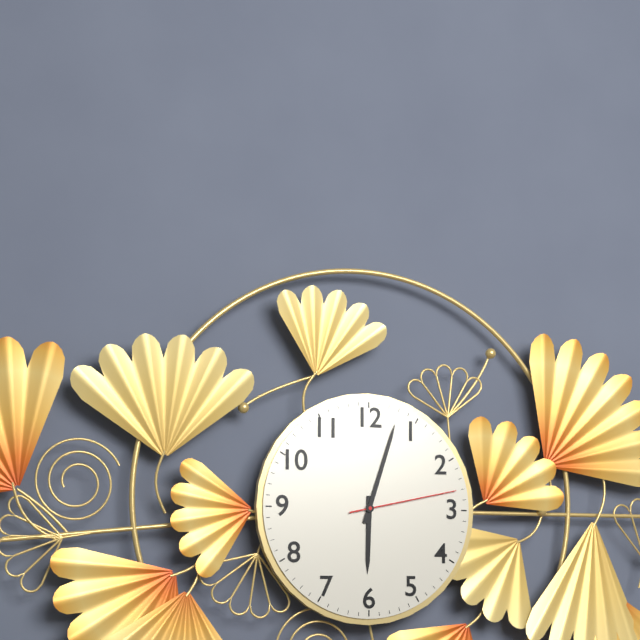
6:03:13
